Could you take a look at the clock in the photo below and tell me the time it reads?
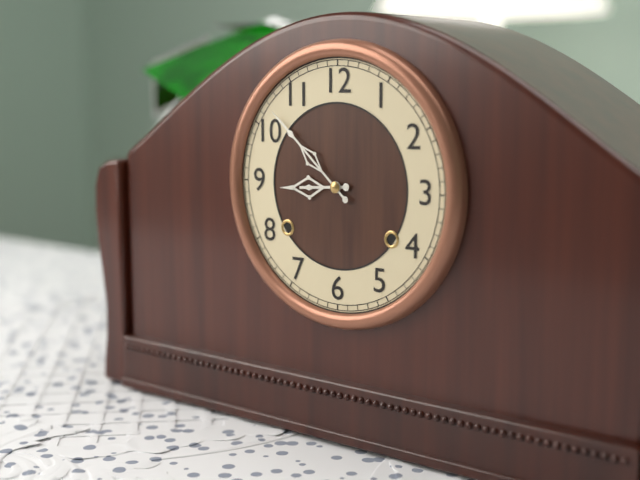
8:52
